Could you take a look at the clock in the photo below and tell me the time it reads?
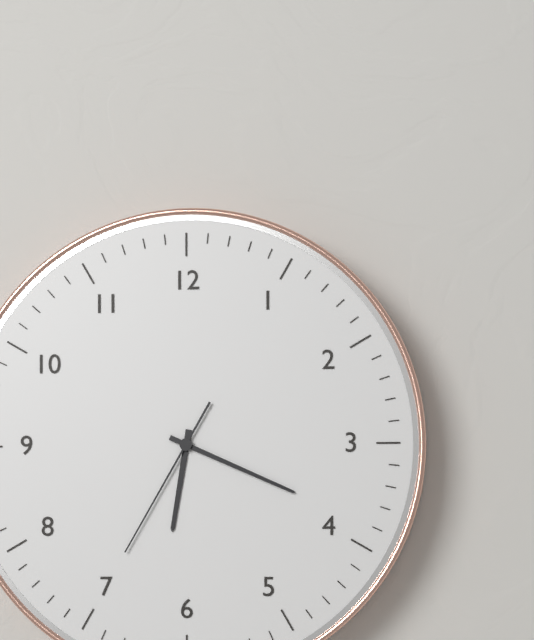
6:19:35
